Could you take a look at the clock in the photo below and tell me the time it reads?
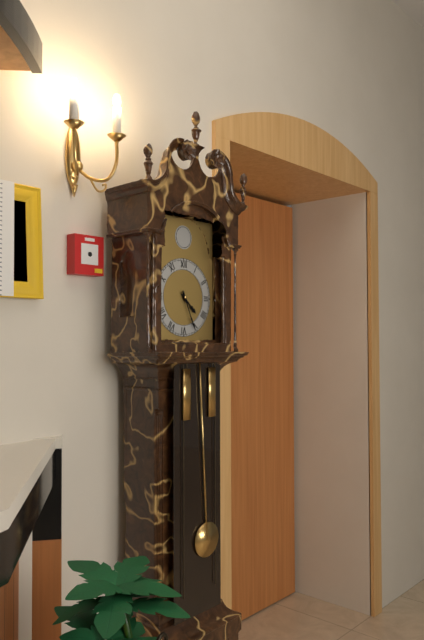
4:26
